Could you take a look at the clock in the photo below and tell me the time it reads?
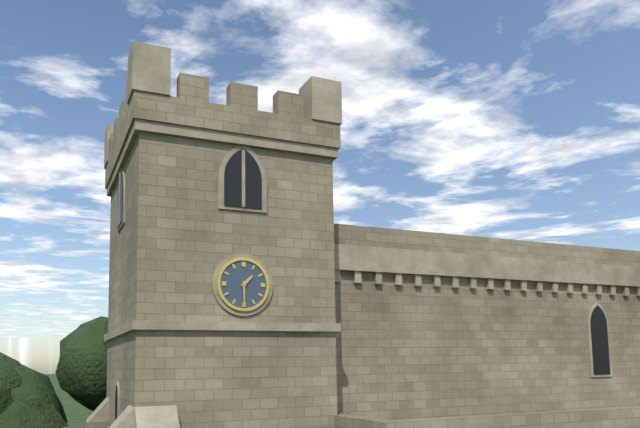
1:30
